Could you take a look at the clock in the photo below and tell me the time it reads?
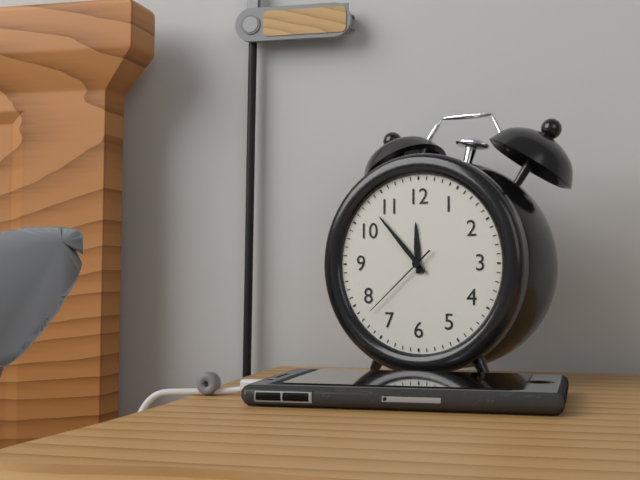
11:53:38
